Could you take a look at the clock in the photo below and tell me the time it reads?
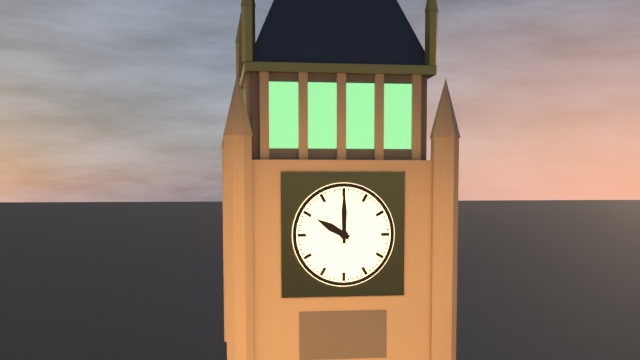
10:00
